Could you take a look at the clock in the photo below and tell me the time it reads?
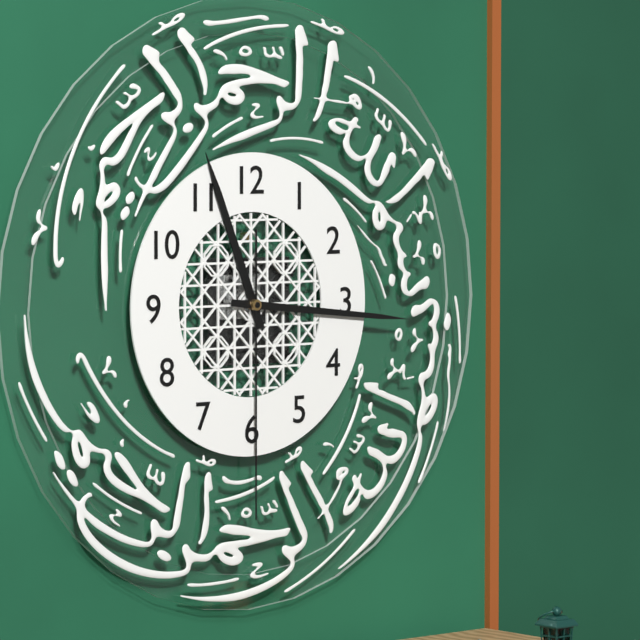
11:16:30
